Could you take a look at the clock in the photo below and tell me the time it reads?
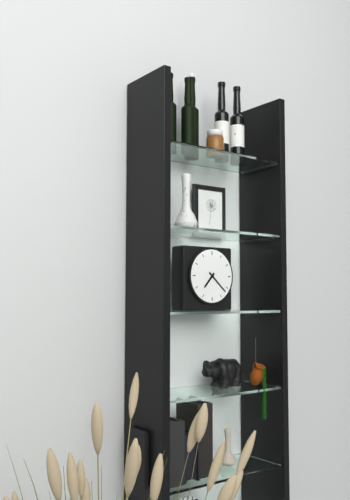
7:22
